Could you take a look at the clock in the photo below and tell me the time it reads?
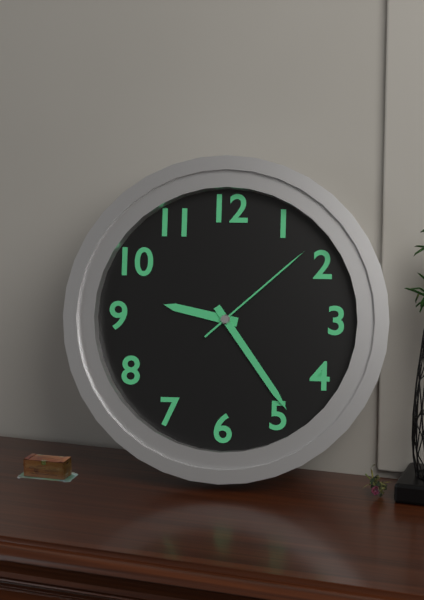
9:24:08
